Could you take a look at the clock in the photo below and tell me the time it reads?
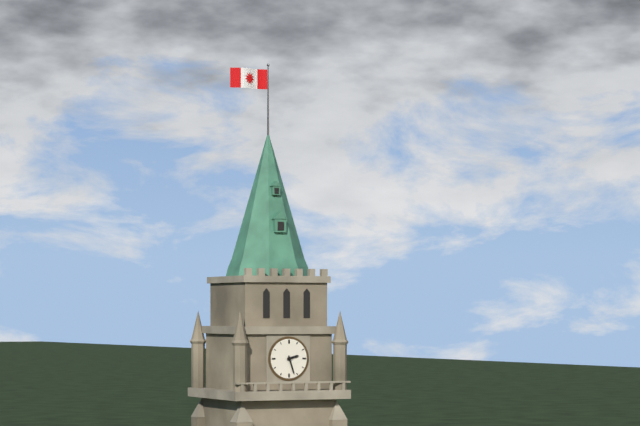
2:27
